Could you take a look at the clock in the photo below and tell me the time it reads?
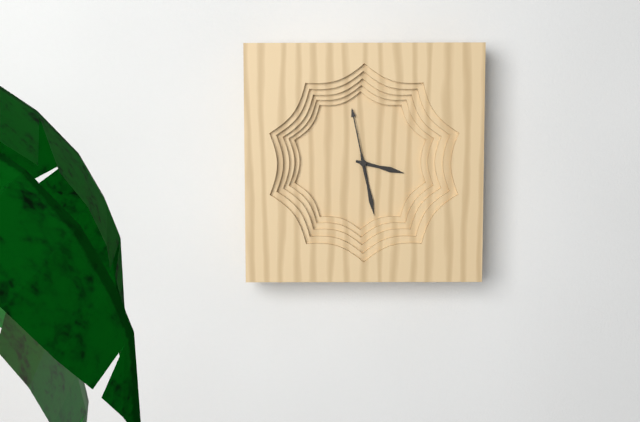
3:28:58
